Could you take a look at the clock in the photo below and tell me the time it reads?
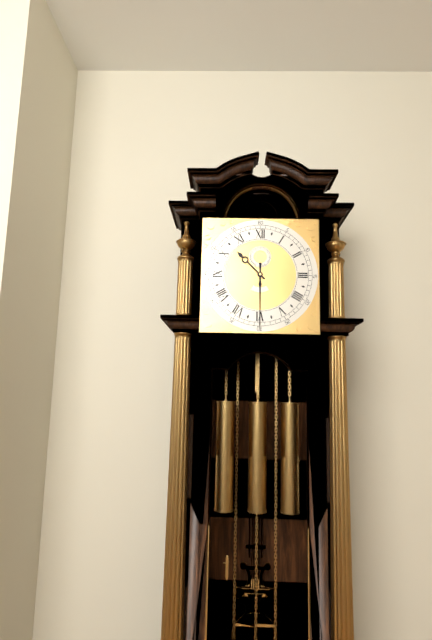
10:30
